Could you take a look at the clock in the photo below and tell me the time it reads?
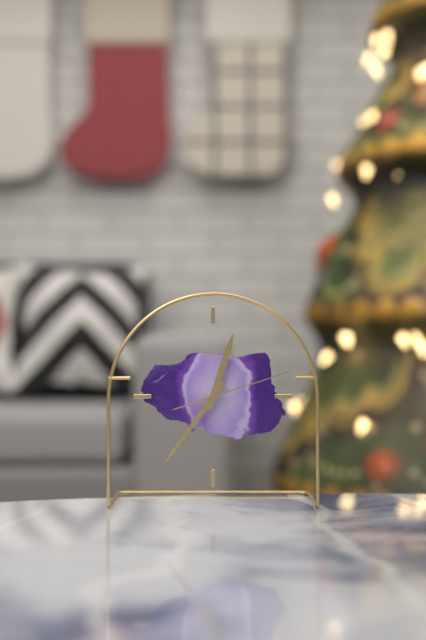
12:36:12
